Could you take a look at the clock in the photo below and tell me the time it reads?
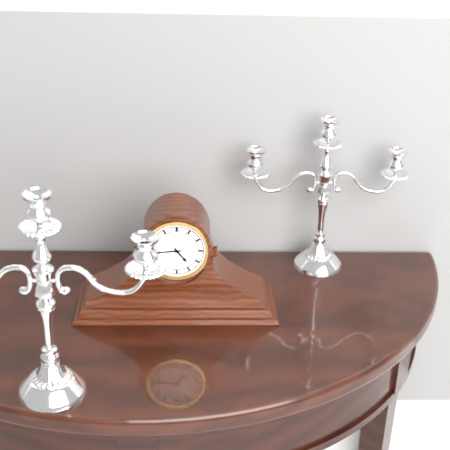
4:44
